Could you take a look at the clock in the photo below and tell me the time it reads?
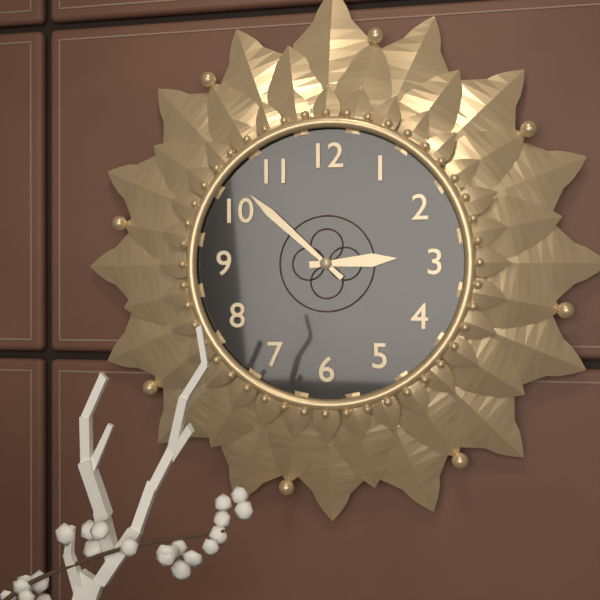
2:52
